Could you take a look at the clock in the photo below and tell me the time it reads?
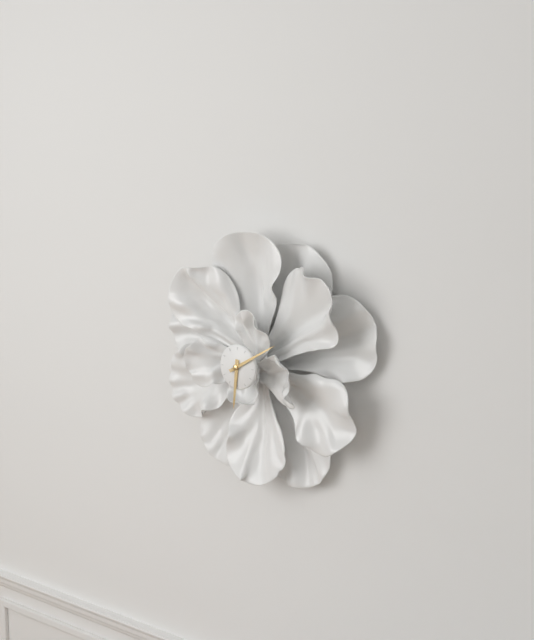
6:10
